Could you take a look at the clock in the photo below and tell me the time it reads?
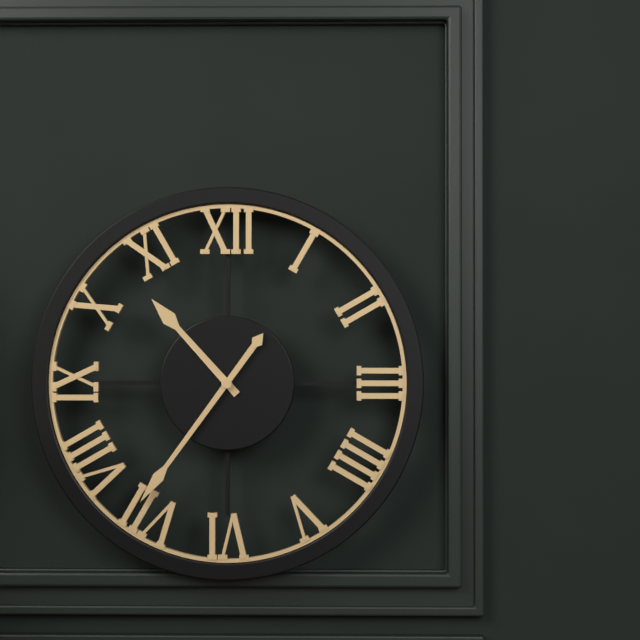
10:36
